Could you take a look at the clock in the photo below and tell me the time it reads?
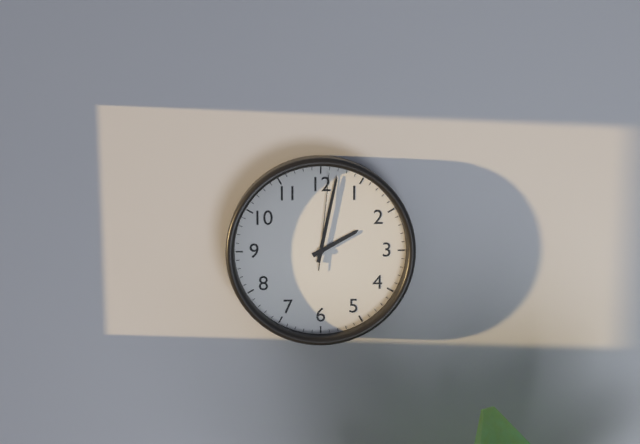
2:02:01
